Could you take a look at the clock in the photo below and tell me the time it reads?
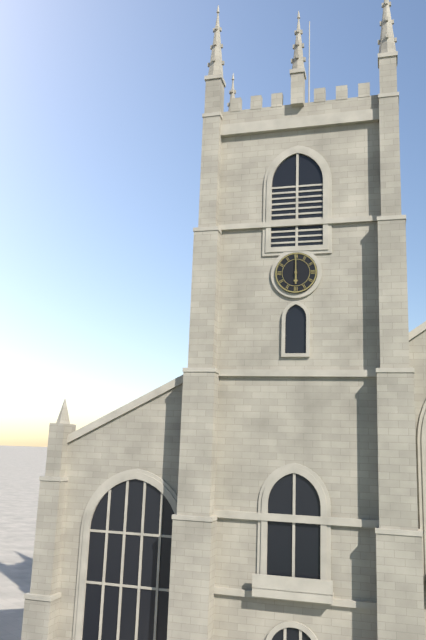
6:00
